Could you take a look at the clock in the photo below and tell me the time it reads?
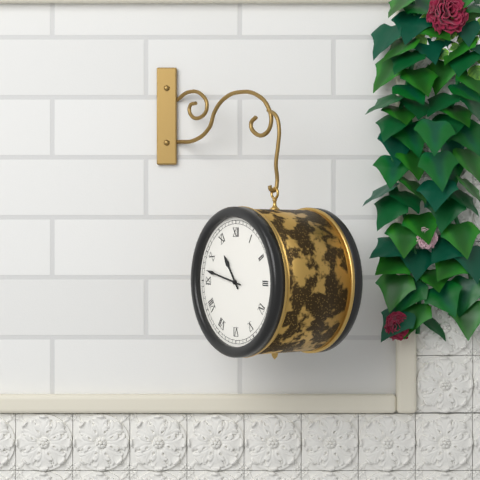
10:47
